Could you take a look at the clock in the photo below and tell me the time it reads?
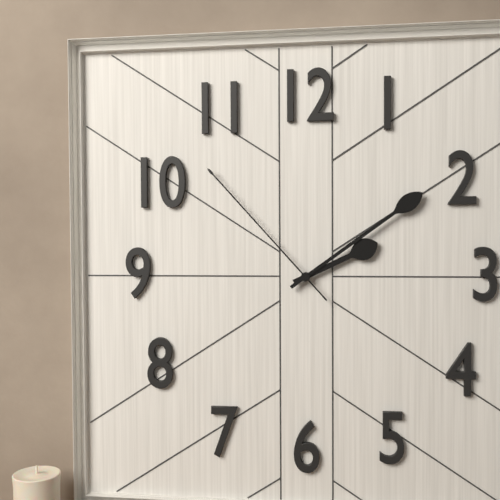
2:09:53
